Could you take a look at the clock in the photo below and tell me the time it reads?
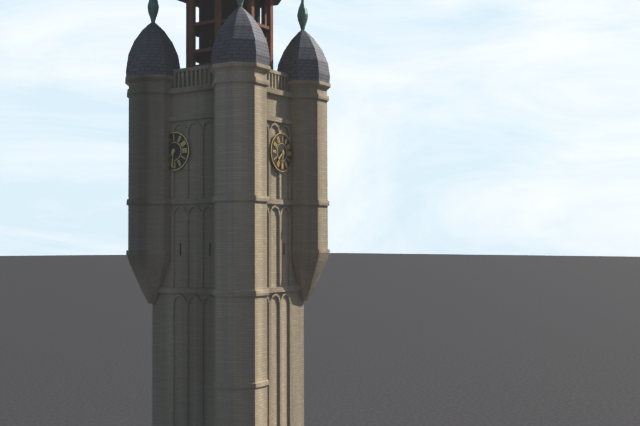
7:31
